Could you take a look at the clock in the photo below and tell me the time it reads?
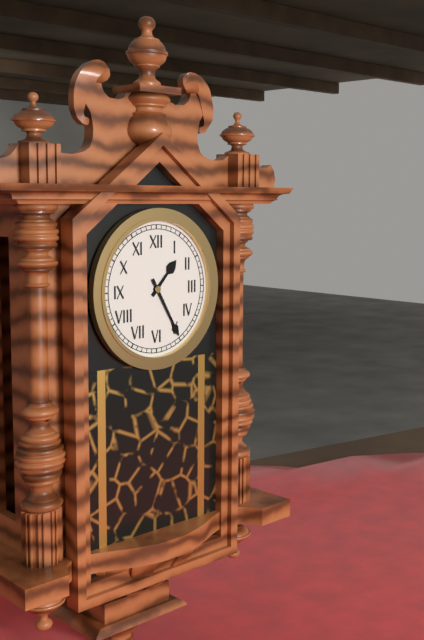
1:25
